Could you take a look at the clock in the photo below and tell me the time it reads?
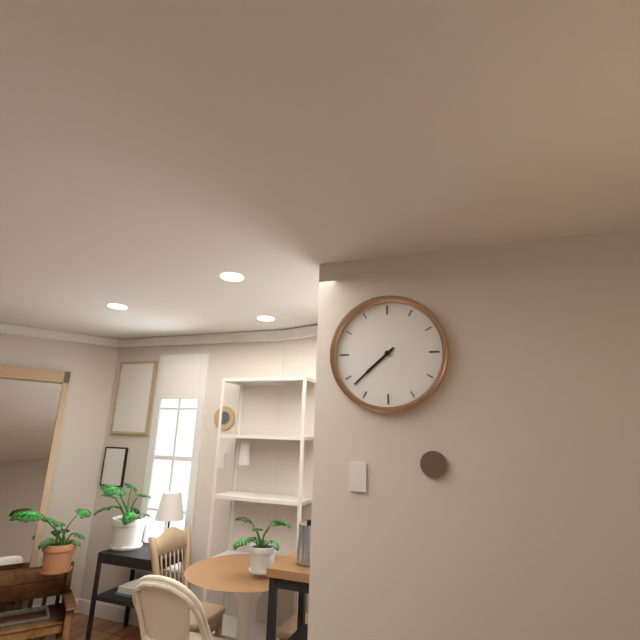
7:38
